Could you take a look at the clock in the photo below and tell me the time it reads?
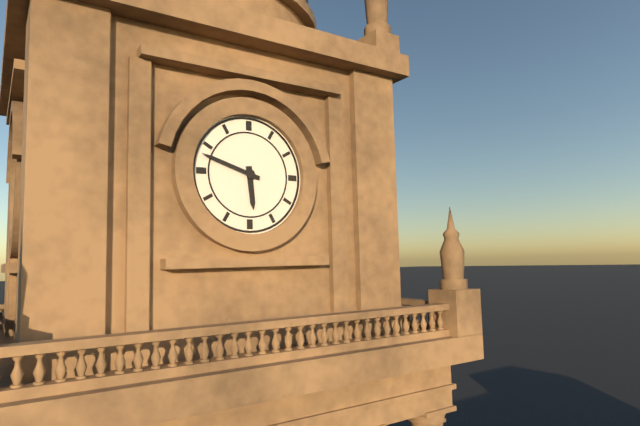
5:48
